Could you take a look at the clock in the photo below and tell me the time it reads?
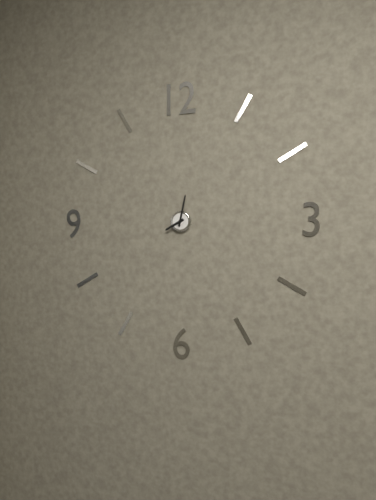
8:02
